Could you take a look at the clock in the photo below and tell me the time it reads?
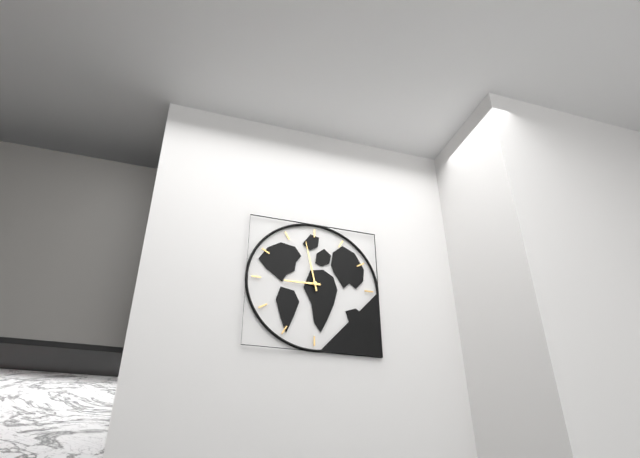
8:58
